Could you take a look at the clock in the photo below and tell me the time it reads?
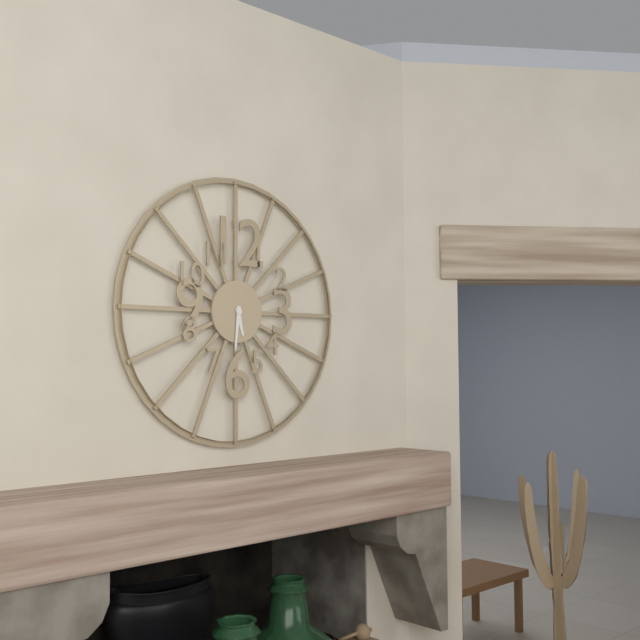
5:31
